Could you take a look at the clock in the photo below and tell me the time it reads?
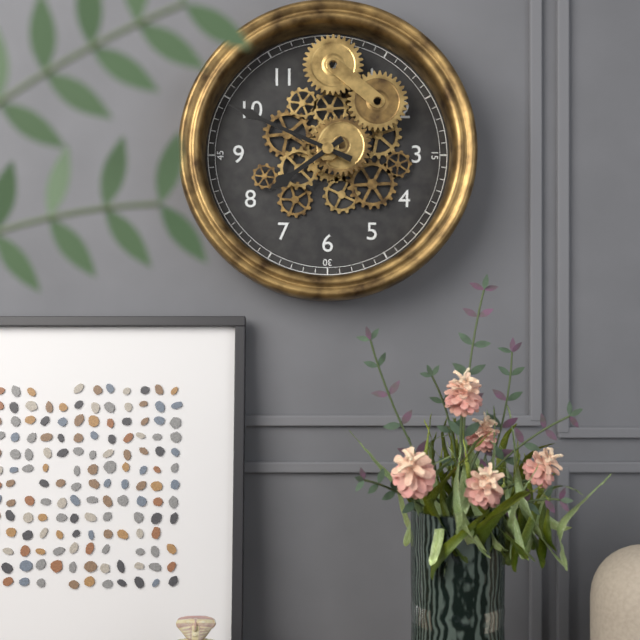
7:49
